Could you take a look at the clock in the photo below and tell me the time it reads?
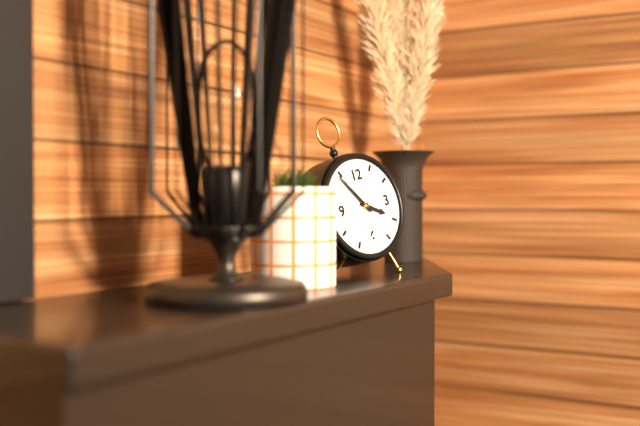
3:54
